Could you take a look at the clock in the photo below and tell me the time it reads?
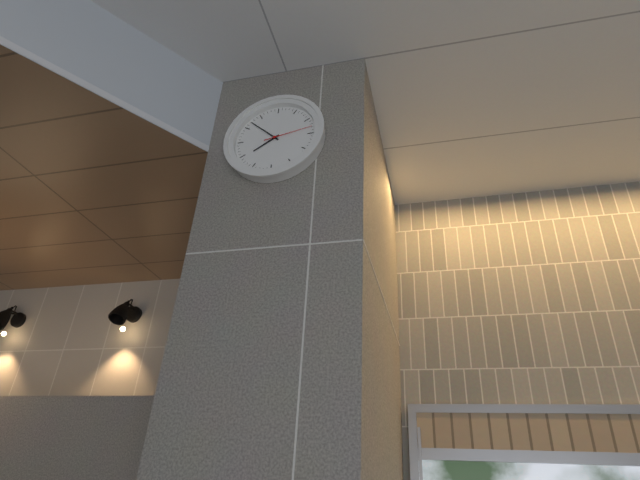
7:52
